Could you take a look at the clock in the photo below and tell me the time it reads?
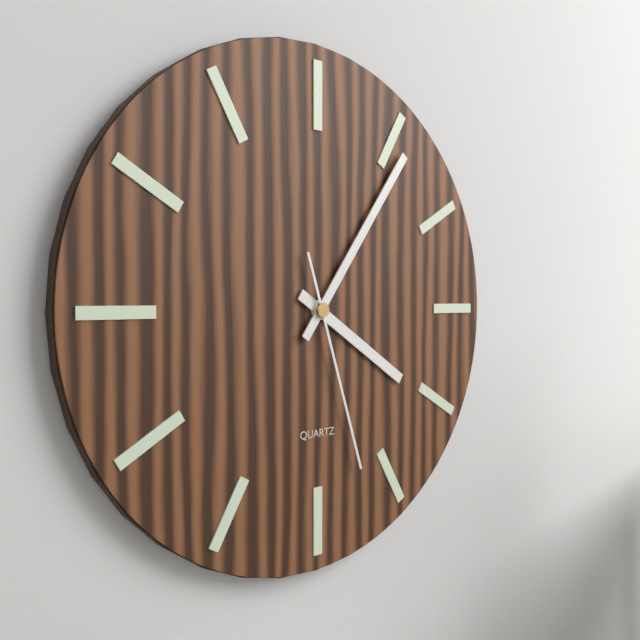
4:06:27
